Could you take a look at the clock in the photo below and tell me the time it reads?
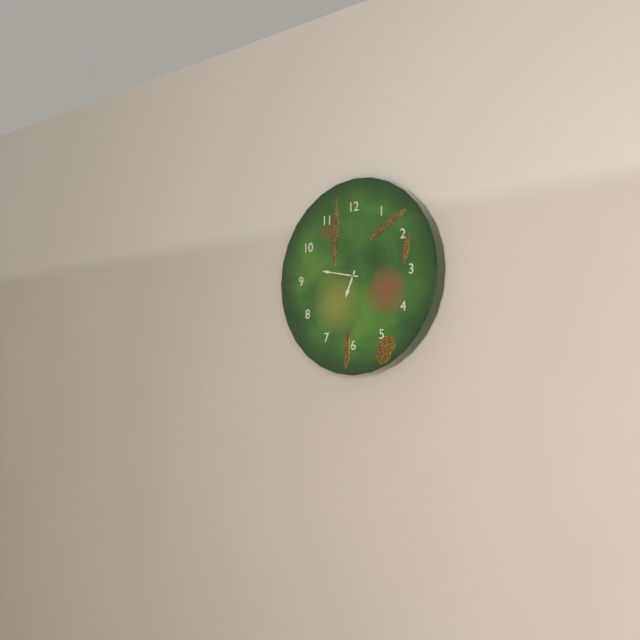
6:47
